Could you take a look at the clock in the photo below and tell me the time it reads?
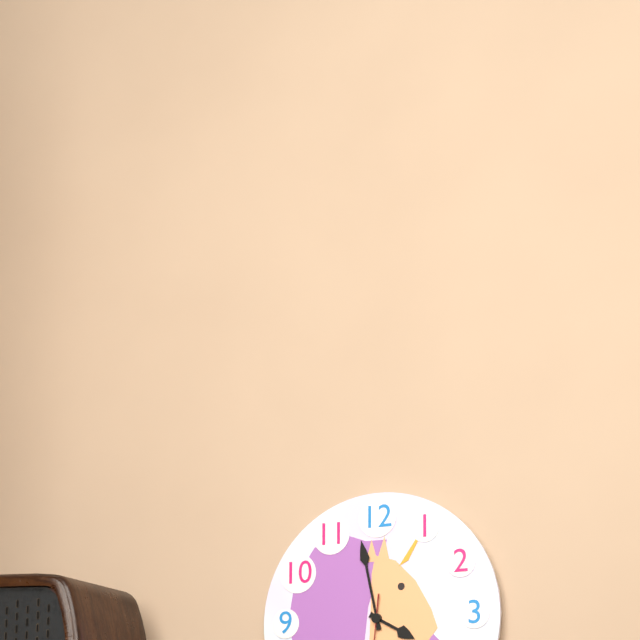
3:58
